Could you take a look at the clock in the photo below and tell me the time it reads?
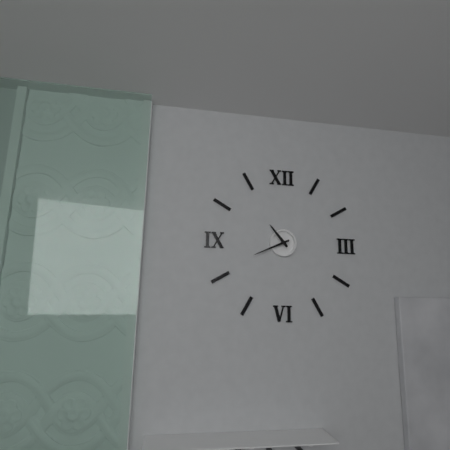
10:41
